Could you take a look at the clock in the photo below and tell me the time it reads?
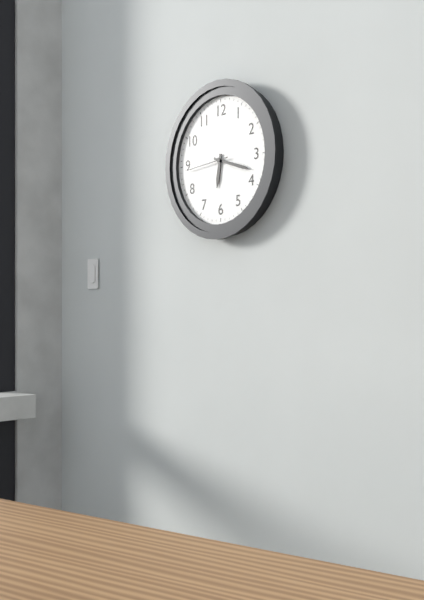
6:18
